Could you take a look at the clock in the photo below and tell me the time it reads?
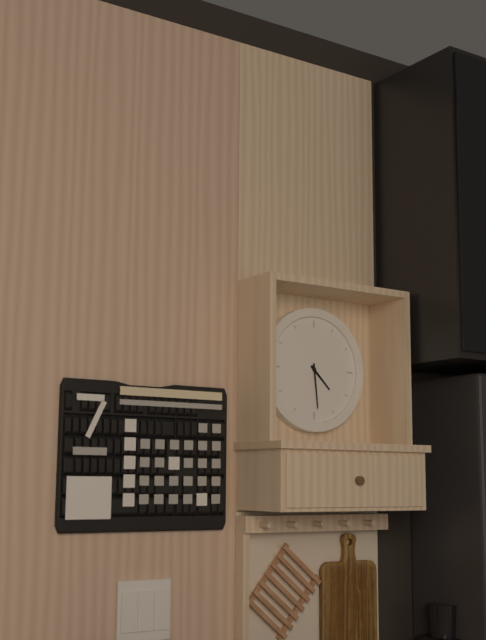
4:29
